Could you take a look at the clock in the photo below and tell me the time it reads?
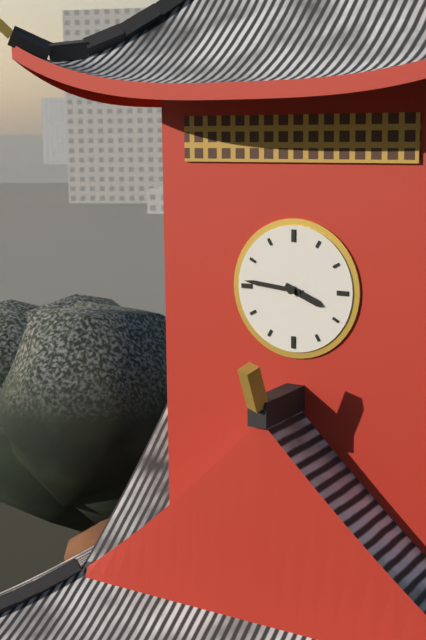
3:46
